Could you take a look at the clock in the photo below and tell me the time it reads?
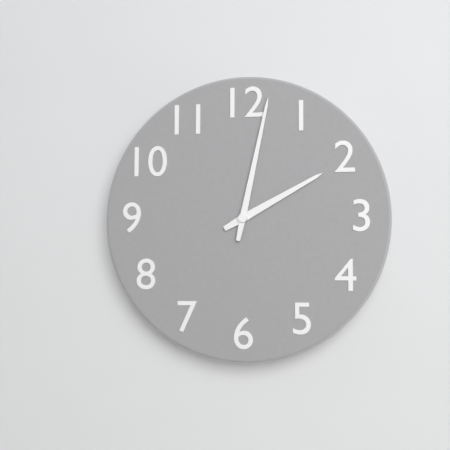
2:02
